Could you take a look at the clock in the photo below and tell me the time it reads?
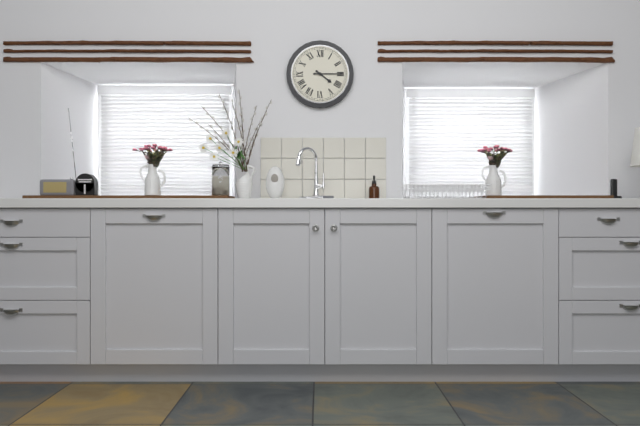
4:15
